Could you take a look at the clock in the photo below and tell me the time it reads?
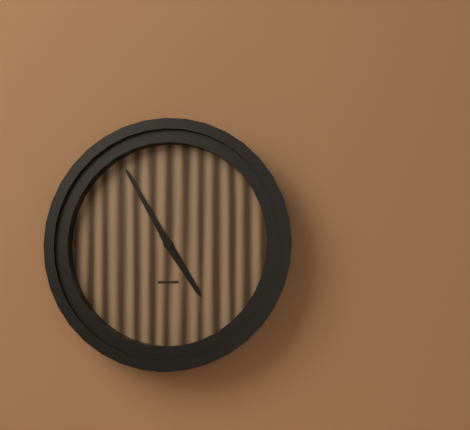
4:55
